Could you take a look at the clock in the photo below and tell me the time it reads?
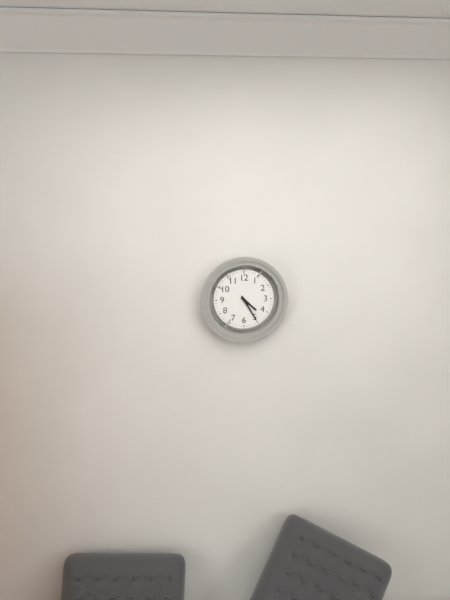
4:25
